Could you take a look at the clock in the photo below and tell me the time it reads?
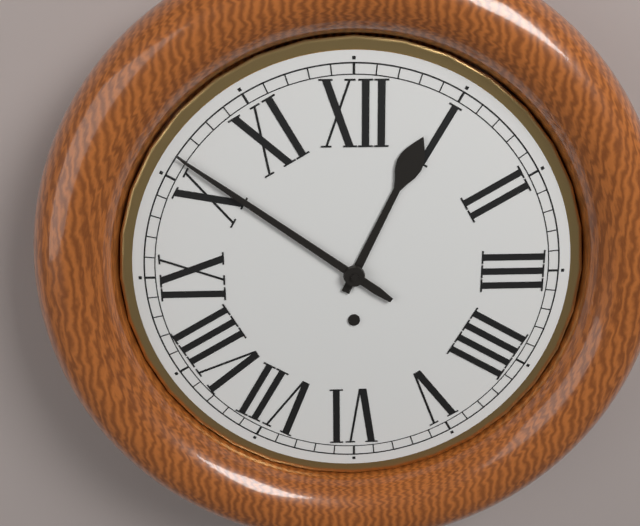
12:51
